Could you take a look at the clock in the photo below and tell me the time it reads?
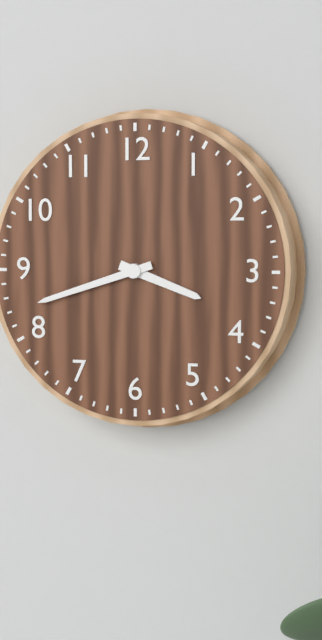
3:42
